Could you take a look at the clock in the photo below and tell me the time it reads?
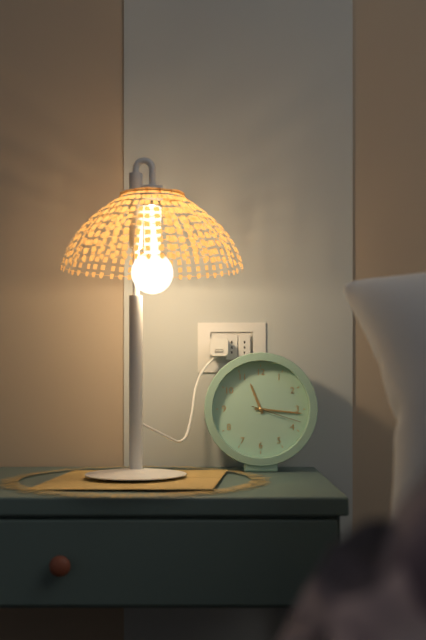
11:16:18
